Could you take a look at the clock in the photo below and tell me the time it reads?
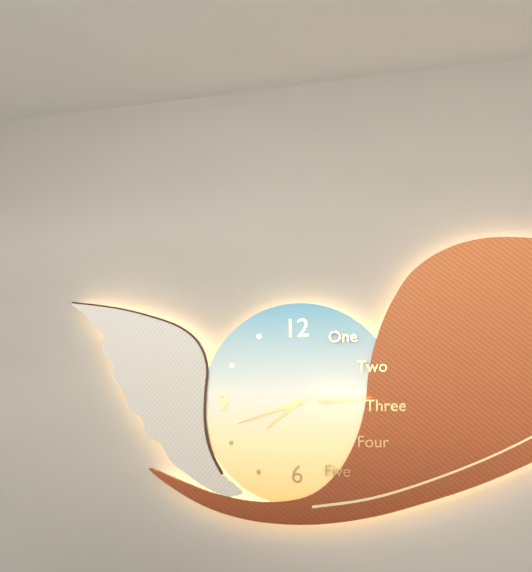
7:42
